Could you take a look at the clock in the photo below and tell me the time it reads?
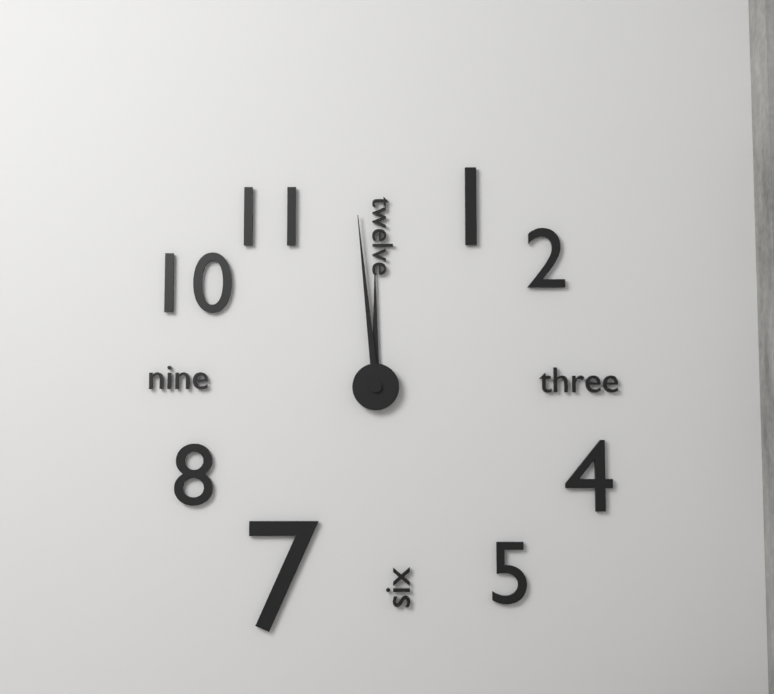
11:59
